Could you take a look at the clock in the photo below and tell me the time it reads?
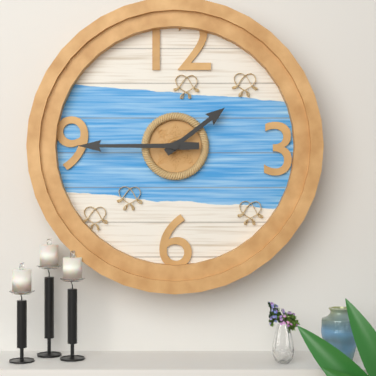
1:45
